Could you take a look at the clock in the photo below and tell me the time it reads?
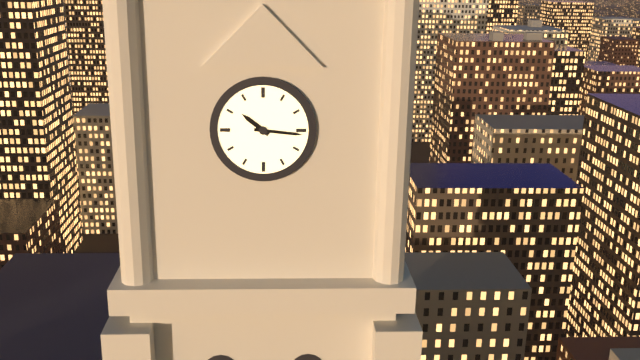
10:16
